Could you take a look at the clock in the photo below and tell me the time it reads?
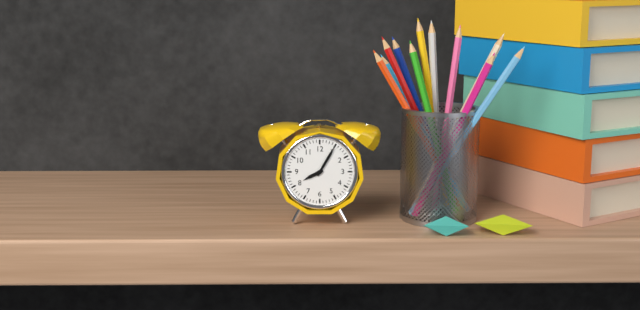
8:05
